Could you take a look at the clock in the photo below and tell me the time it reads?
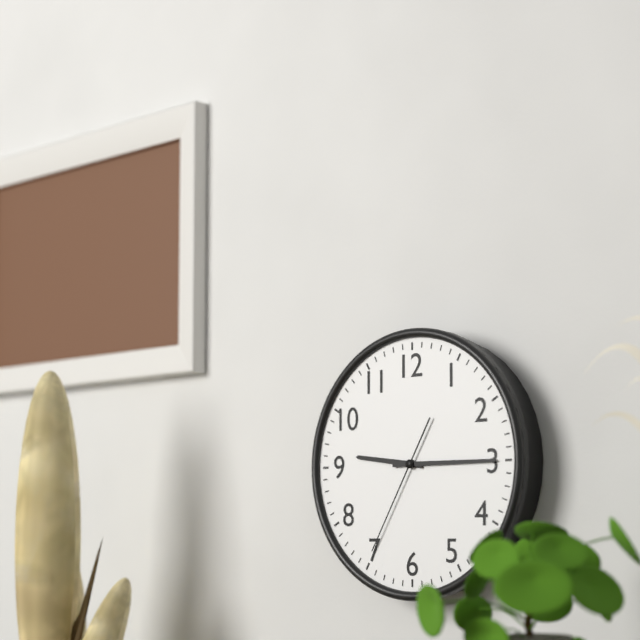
9:15:35
